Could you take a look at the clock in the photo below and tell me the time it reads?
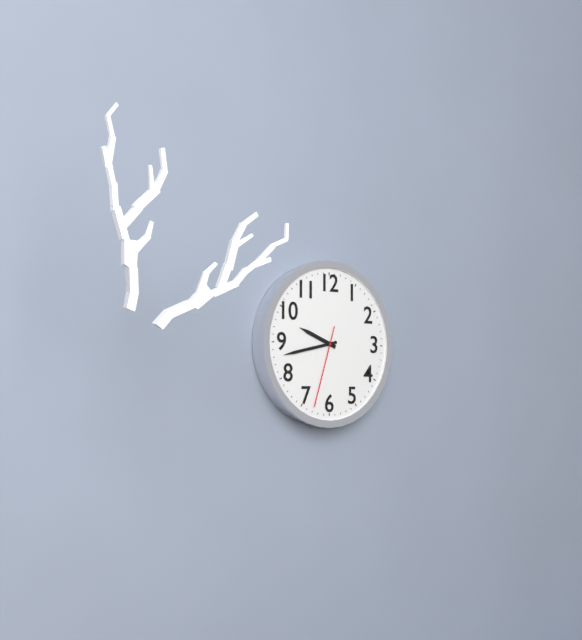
9:43:33
